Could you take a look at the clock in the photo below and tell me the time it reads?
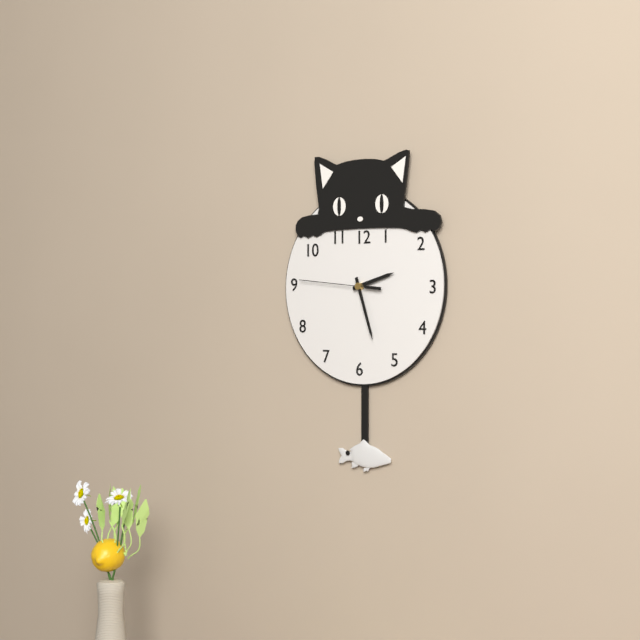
2:27:46
